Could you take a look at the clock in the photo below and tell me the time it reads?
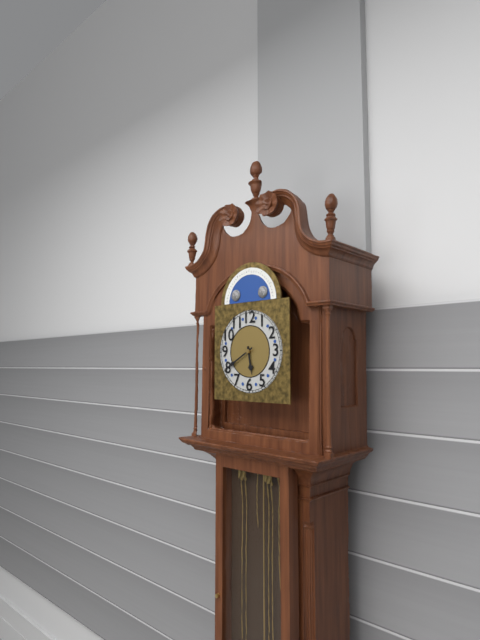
5:40
